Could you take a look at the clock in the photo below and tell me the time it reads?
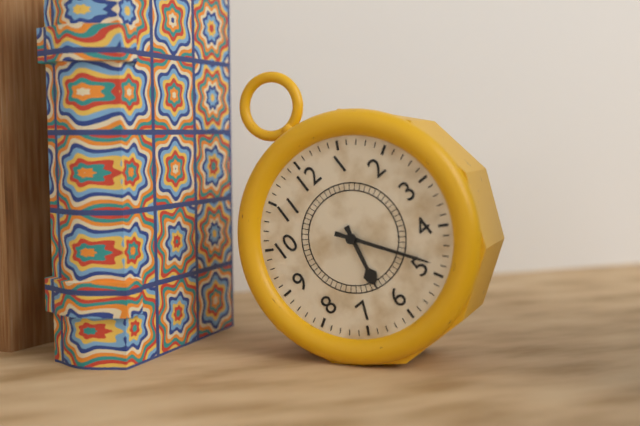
6:24
